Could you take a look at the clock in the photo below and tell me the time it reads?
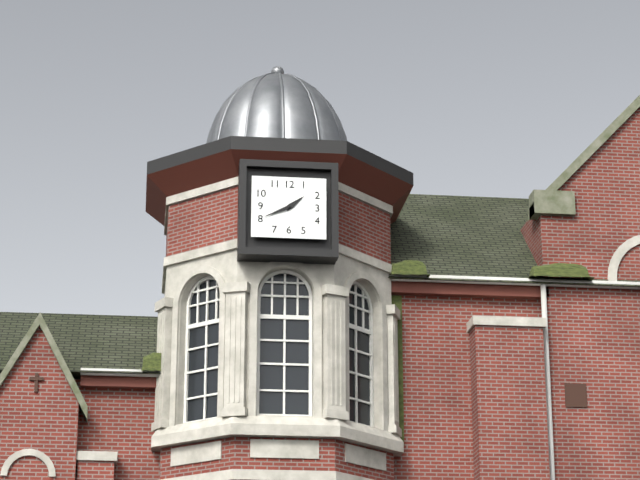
1:41
